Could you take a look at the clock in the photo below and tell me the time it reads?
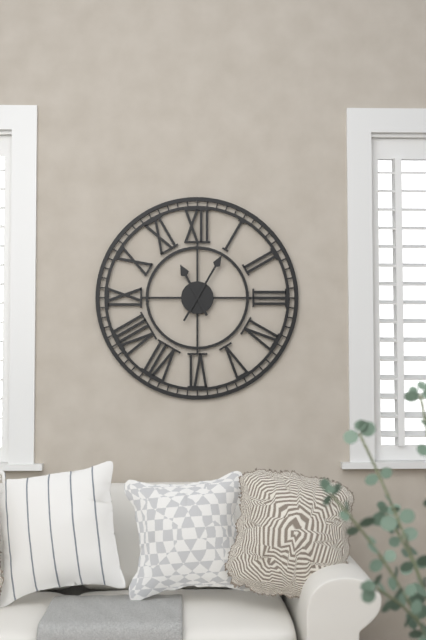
11:05
